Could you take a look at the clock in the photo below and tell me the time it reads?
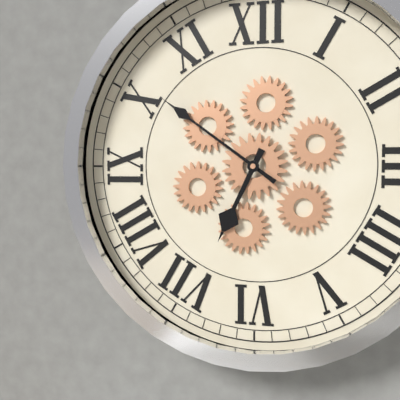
6:51
